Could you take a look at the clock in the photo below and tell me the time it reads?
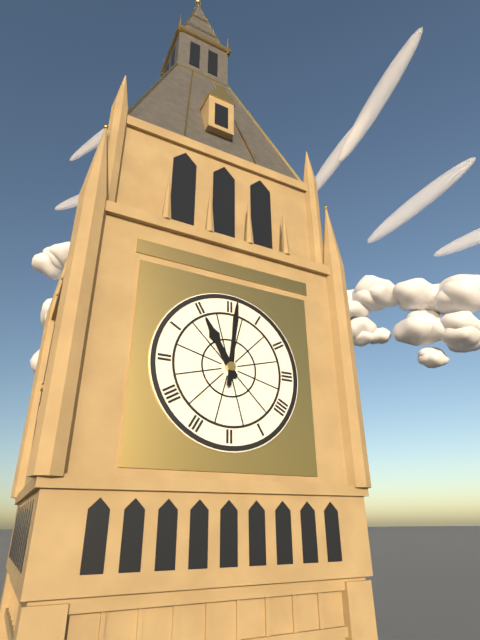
11:01
